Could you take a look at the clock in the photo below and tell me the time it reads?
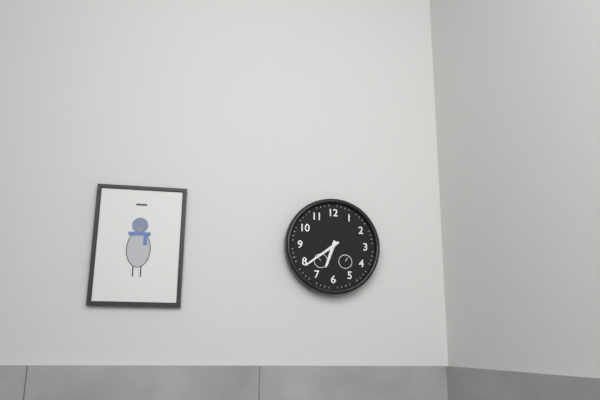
6:39
